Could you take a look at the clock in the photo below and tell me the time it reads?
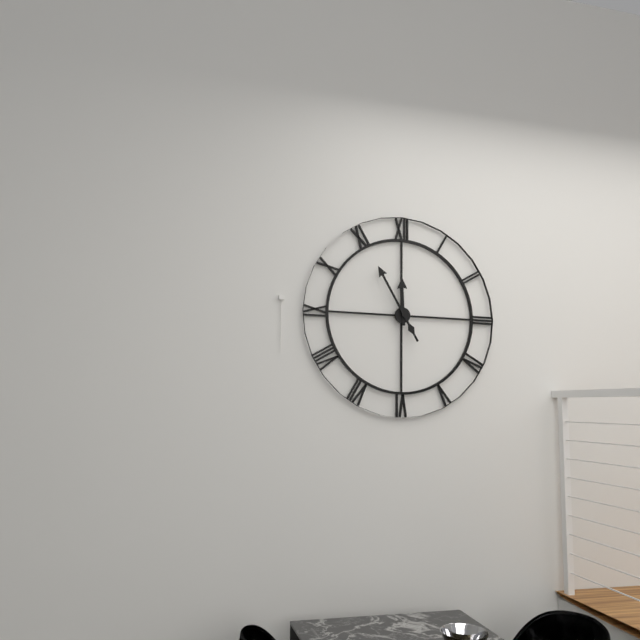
11:55
